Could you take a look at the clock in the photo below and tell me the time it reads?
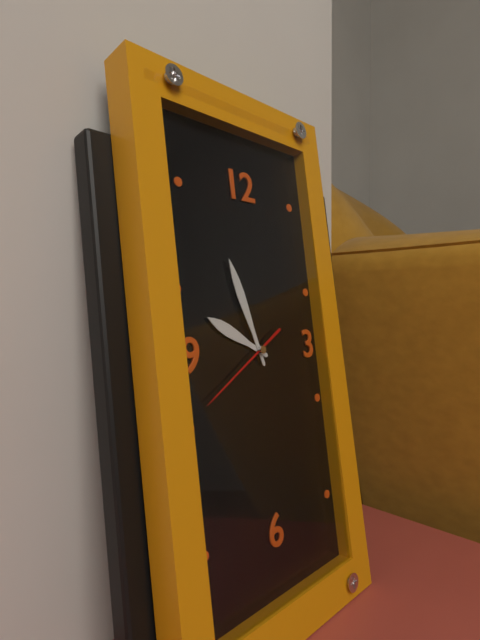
9:57:40
